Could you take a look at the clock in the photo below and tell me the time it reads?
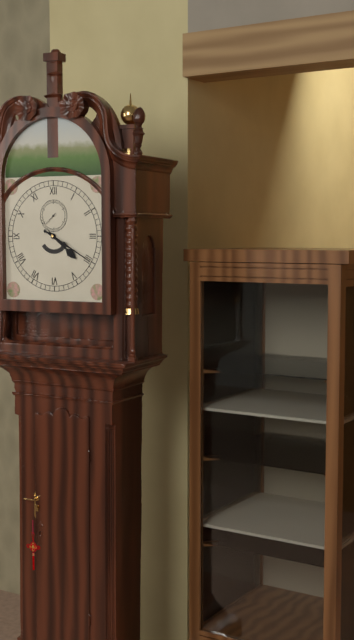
4:20
